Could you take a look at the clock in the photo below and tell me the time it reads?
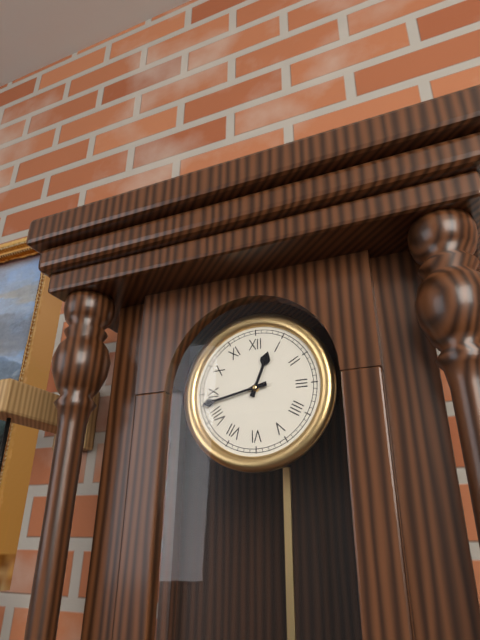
12:43
